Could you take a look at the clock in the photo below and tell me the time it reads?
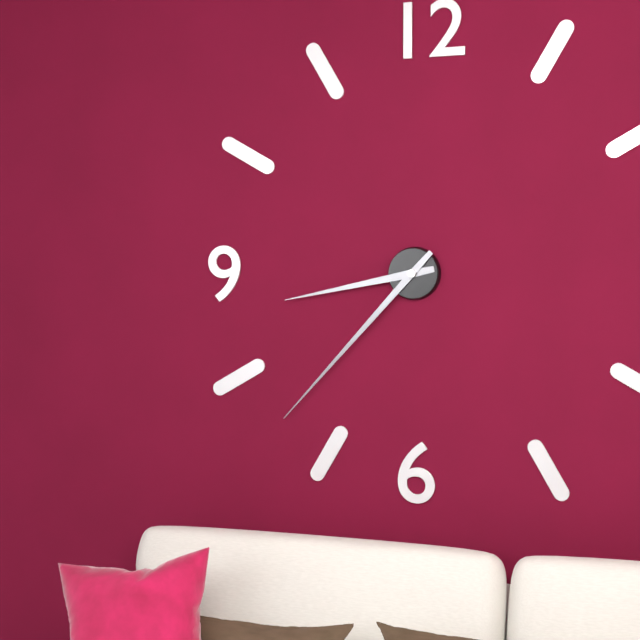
8:37
